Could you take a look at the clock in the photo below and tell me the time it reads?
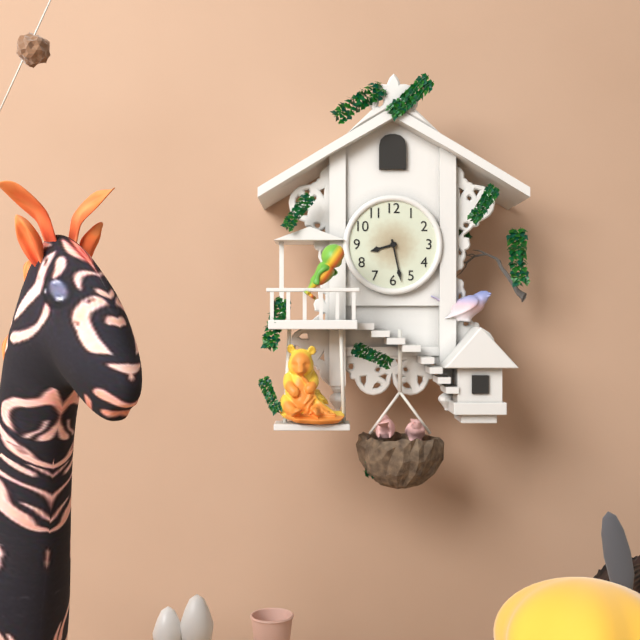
8:28
